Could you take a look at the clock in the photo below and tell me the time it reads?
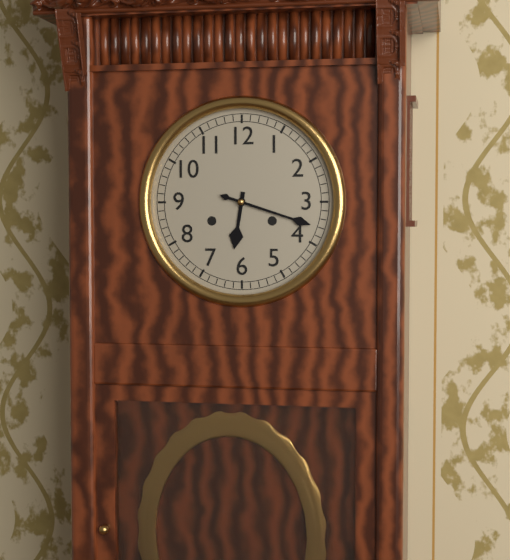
6:18
